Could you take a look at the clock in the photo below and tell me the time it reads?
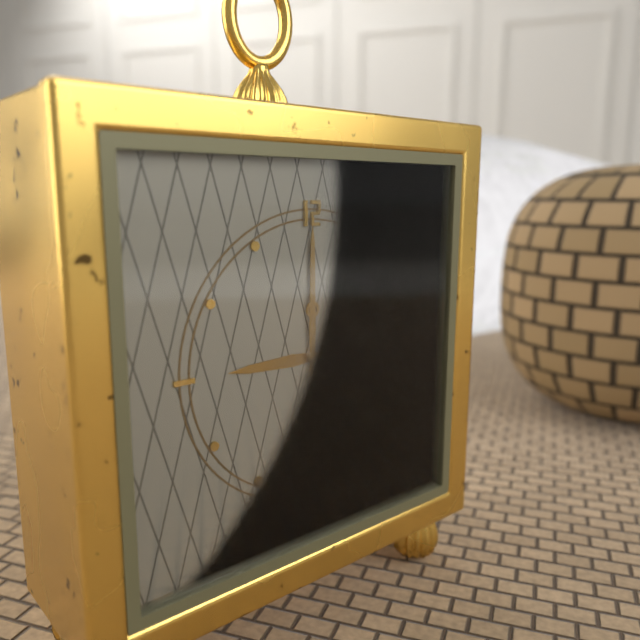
9:00
